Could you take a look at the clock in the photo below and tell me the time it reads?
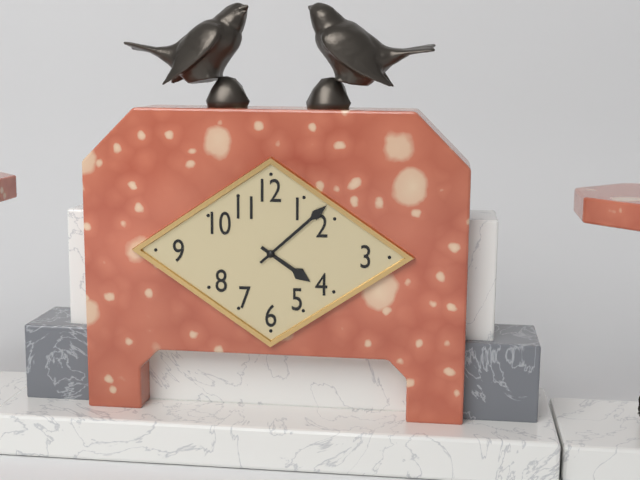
4:08
